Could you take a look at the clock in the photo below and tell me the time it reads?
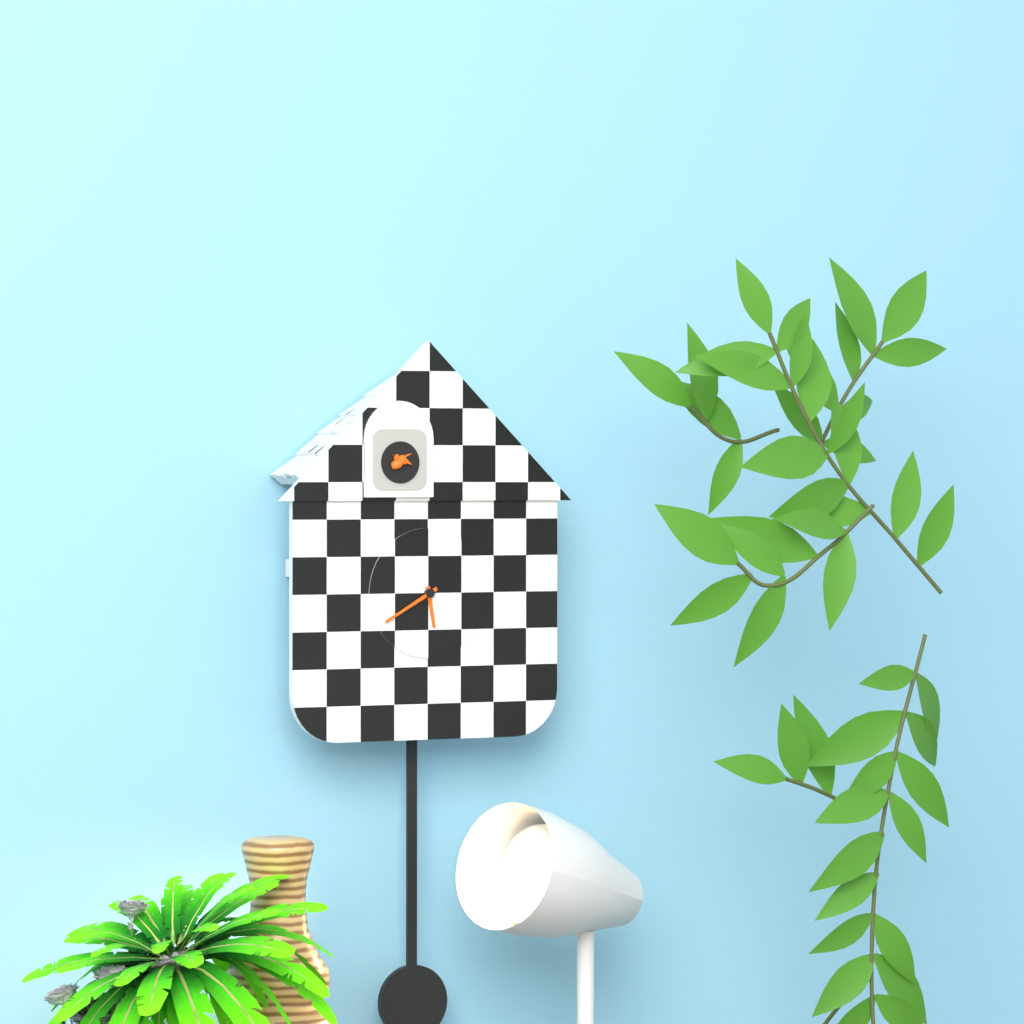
5:40
